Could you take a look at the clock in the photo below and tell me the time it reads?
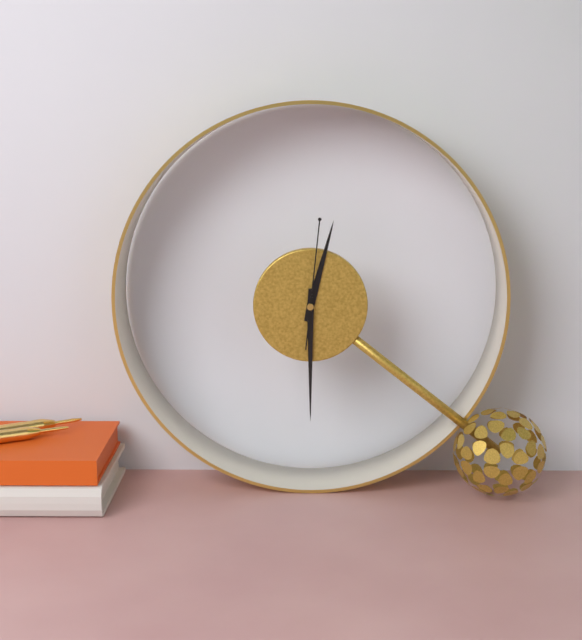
12:30:01
